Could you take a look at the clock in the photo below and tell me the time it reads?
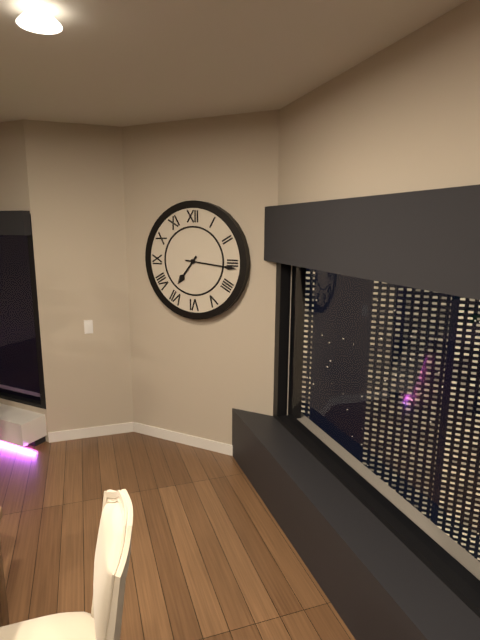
7:16
